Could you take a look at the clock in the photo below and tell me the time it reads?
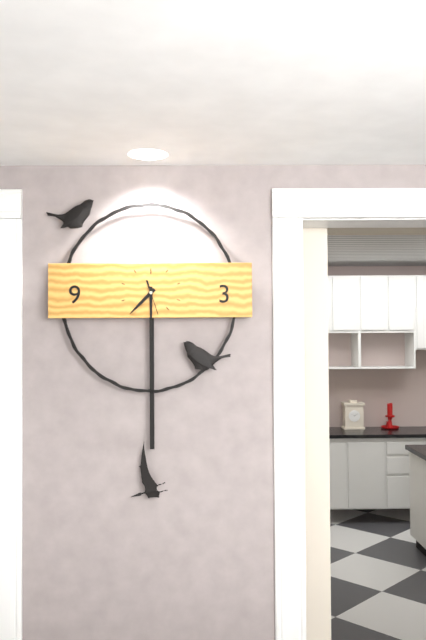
7:30
